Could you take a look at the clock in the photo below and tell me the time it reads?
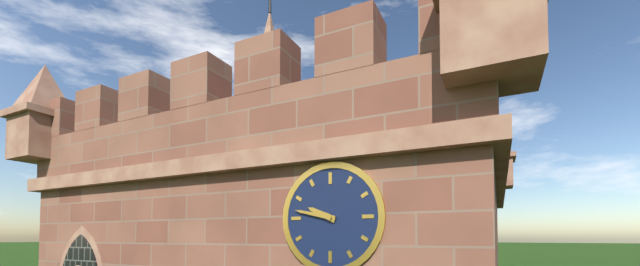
9:47
